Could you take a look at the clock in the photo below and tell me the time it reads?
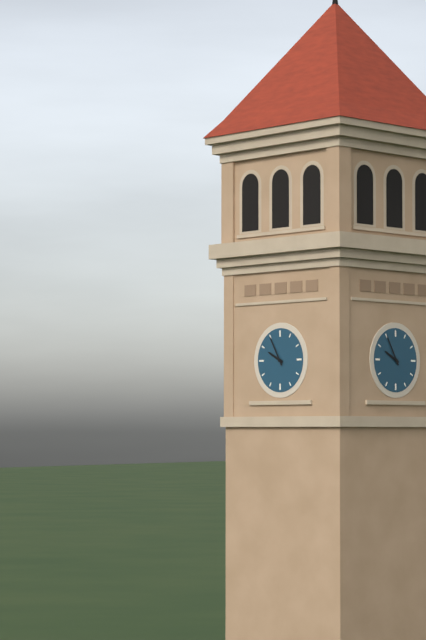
9:55
